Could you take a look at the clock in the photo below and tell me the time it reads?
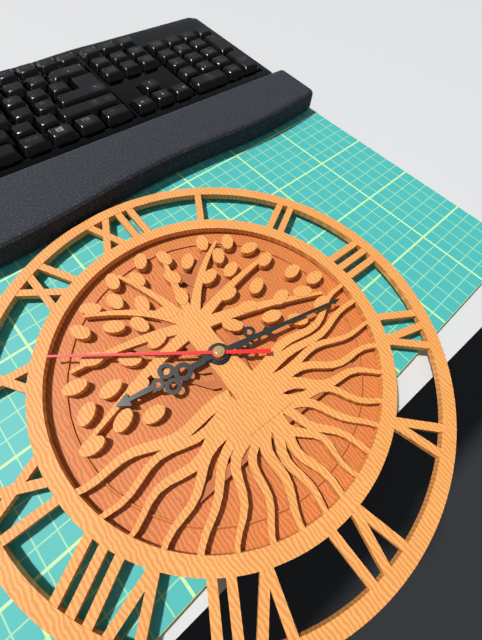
9:17:51
